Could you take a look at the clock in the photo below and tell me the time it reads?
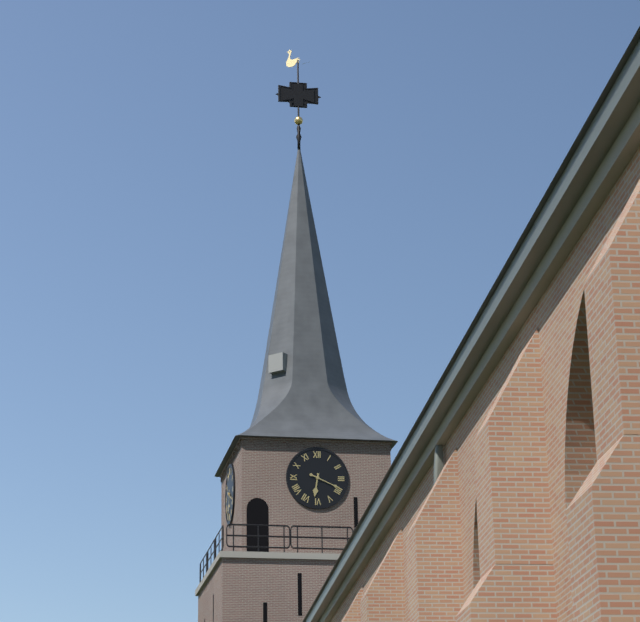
6:19
